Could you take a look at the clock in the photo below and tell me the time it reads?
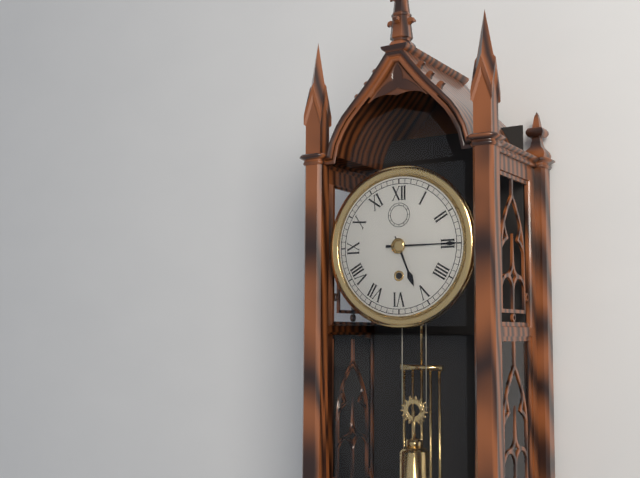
5:15
